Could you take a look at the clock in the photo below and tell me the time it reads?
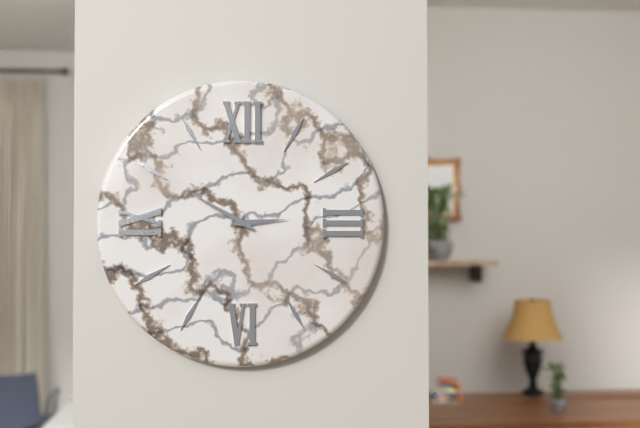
2:50
